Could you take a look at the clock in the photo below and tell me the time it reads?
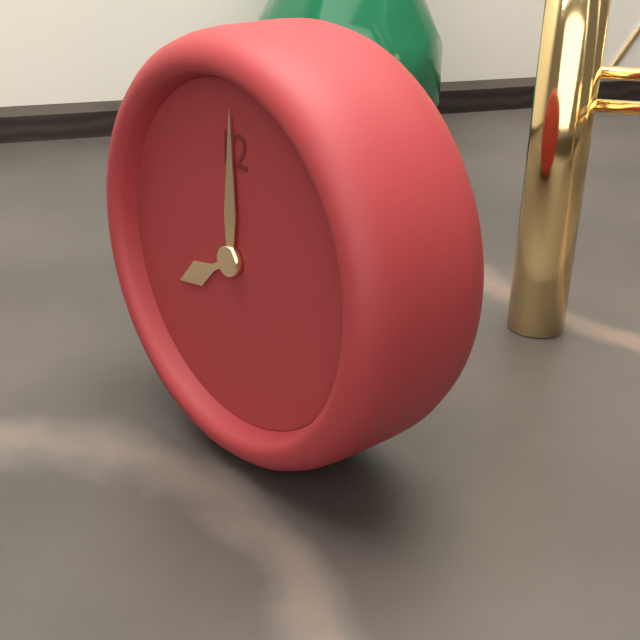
8:00
